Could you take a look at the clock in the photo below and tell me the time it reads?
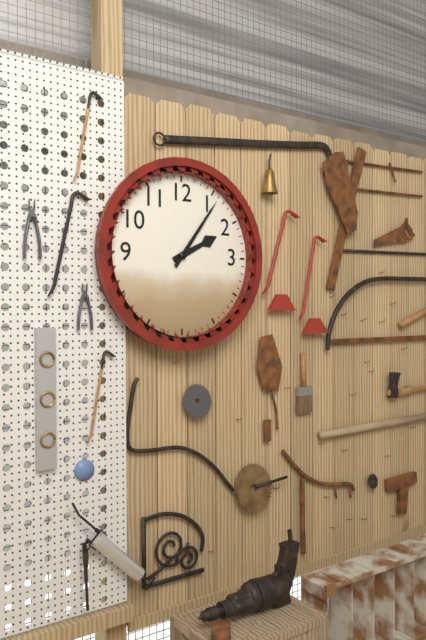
2:06
